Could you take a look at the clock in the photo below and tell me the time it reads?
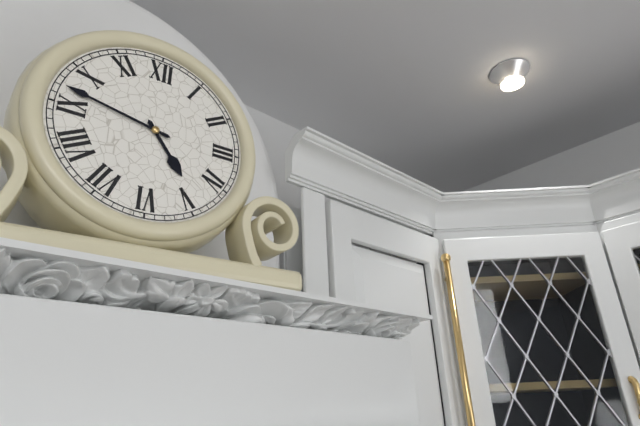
4:47
